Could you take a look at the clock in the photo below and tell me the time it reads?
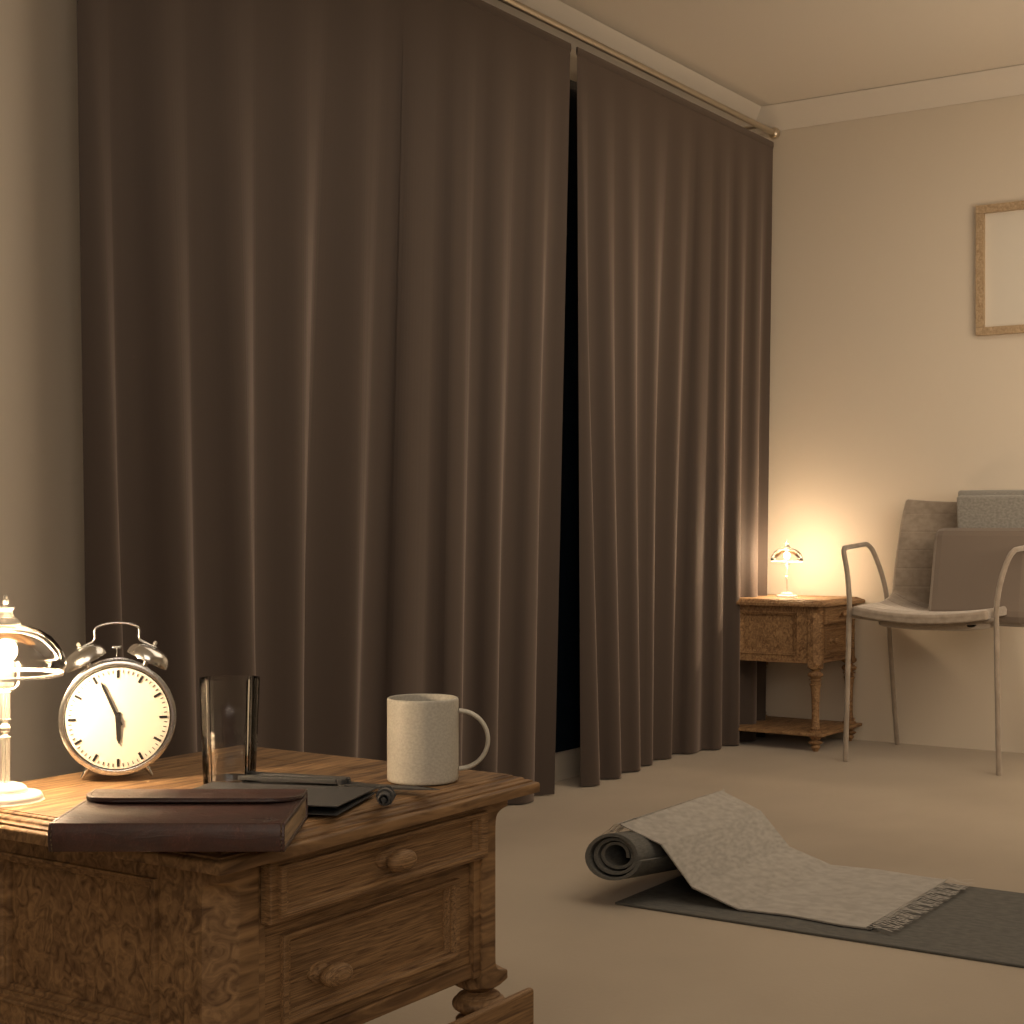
5:56
